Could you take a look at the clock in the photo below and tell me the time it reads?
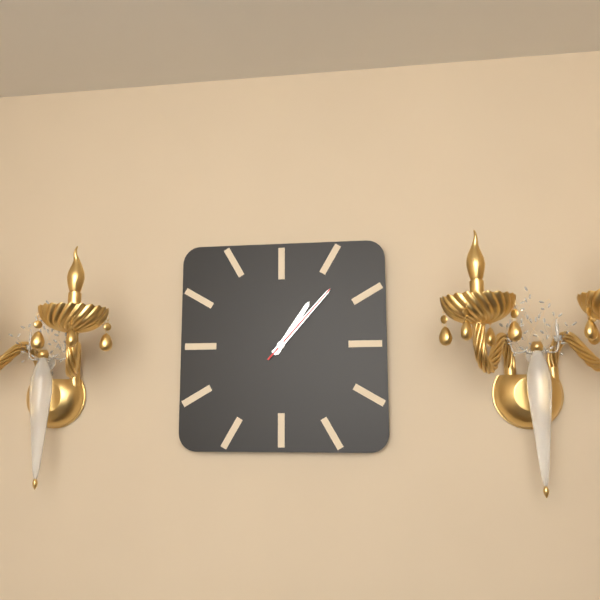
1:07:07
